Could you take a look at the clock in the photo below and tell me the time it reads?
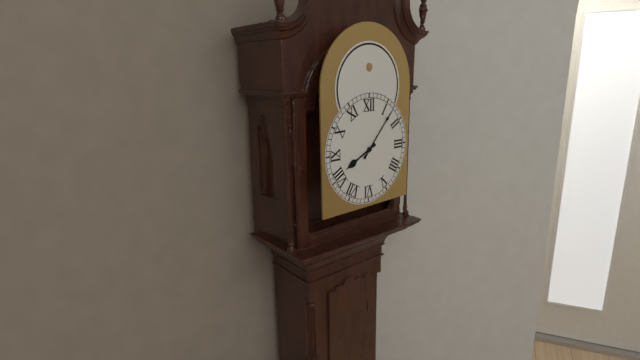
8:07
